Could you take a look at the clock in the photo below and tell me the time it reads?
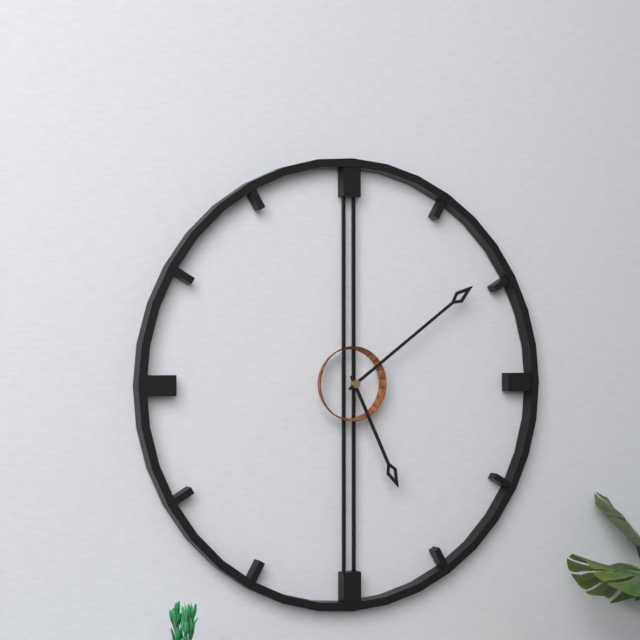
5:09
